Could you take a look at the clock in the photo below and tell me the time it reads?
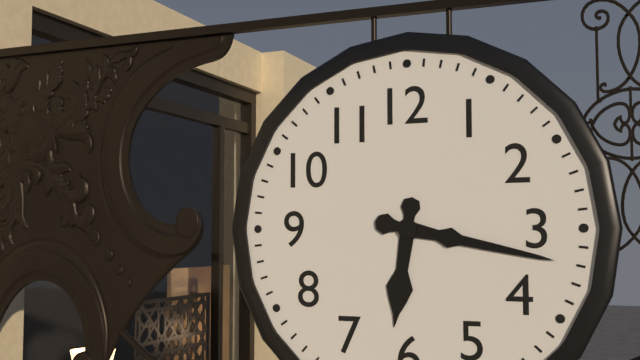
6:17
